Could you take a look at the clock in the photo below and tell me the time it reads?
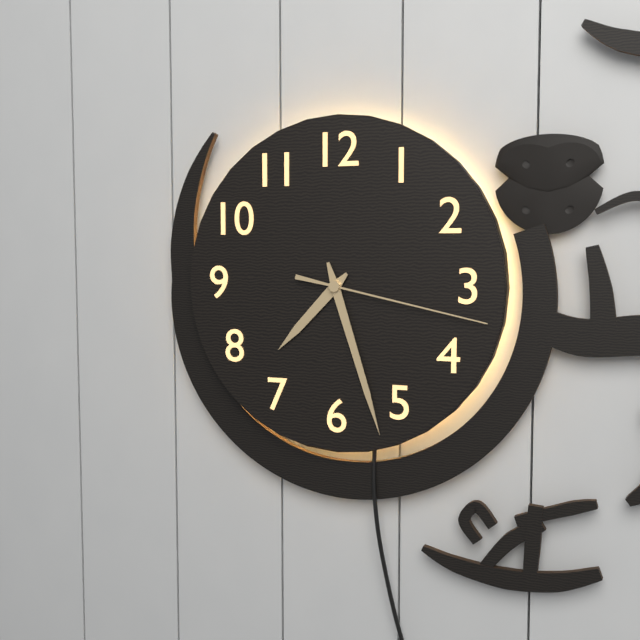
7:27:17
